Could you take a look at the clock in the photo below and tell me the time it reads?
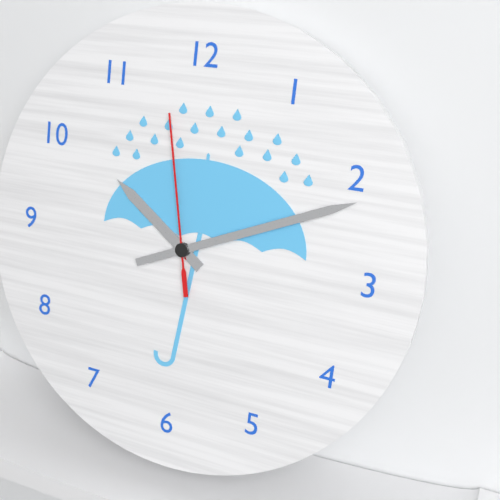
10:11:58
